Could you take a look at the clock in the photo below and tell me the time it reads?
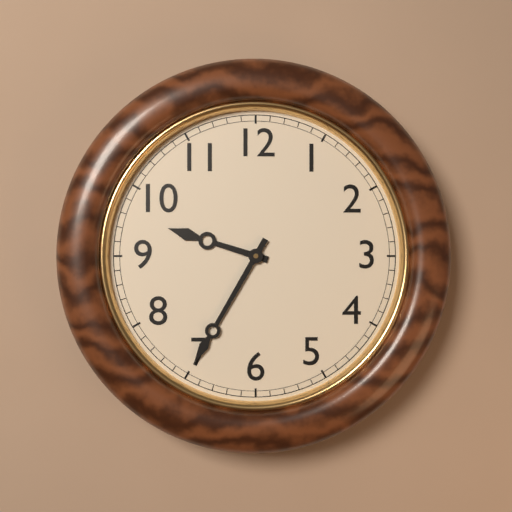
9:35
